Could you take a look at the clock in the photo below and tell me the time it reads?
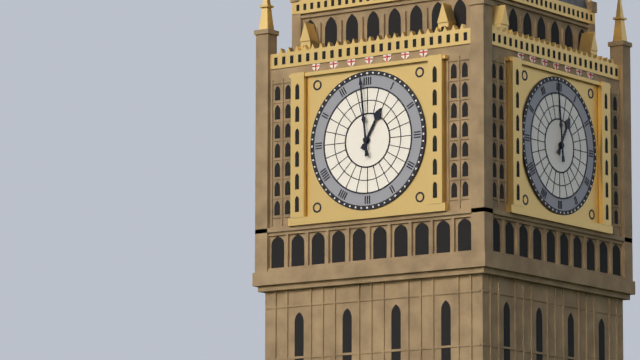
12:59
